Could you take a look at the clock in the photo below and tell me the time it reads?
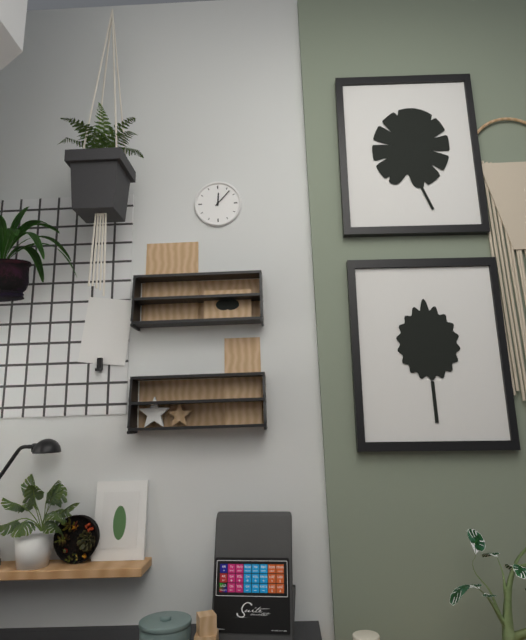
12:07
